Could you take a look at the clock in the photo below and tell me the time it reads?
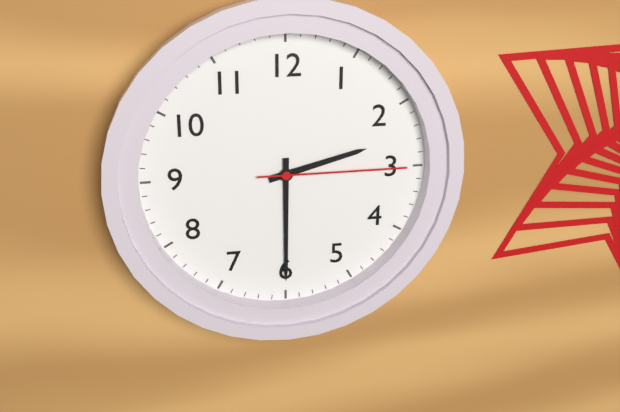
2:30:15
